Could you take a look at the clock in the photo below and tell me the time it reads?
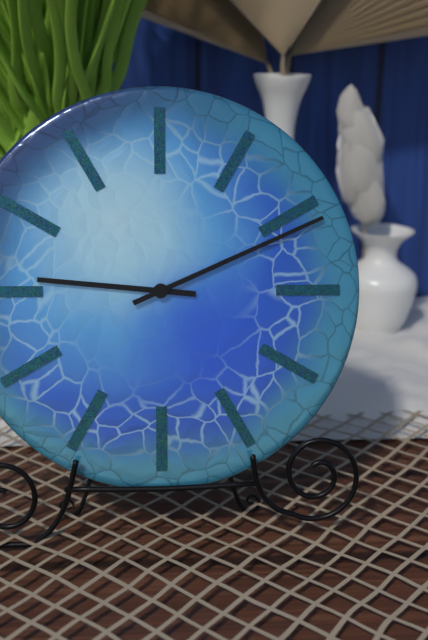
9:11
